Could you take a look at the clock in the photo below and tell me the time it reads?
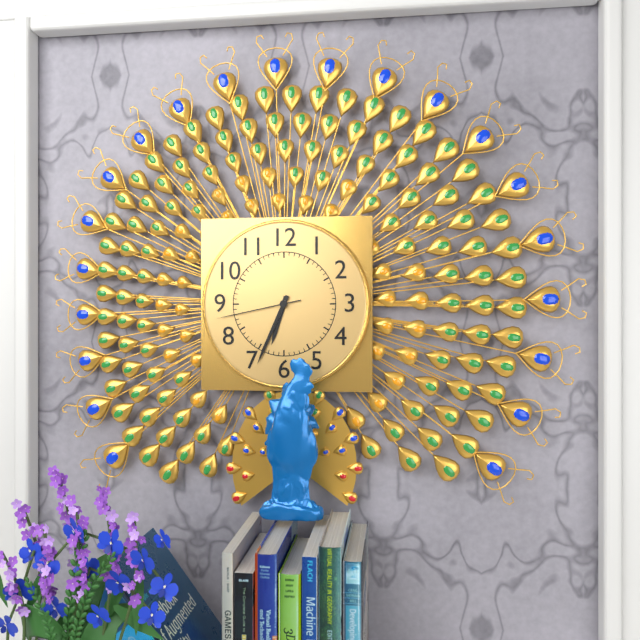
6:34:43
